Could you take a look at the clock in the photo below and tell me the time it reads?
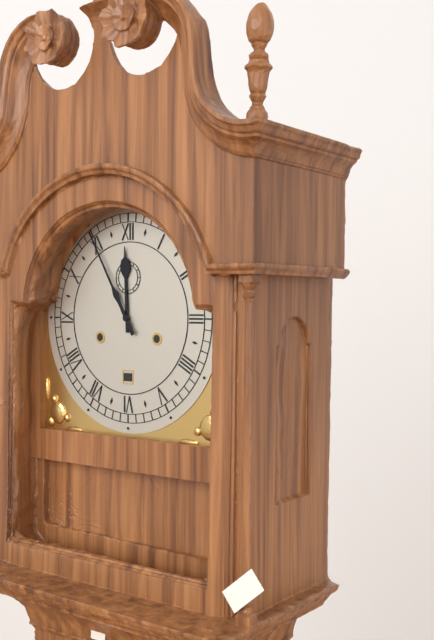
11:55
